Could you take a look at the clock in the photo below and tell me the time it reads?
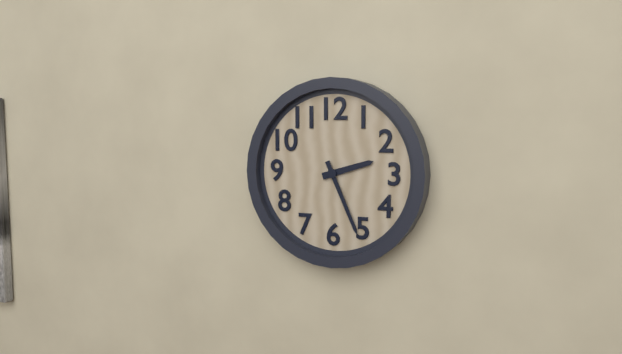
2:26
